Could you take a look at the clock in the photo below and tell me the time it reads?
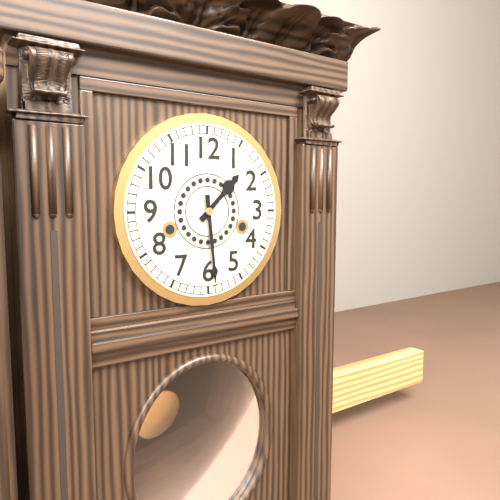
1:29
